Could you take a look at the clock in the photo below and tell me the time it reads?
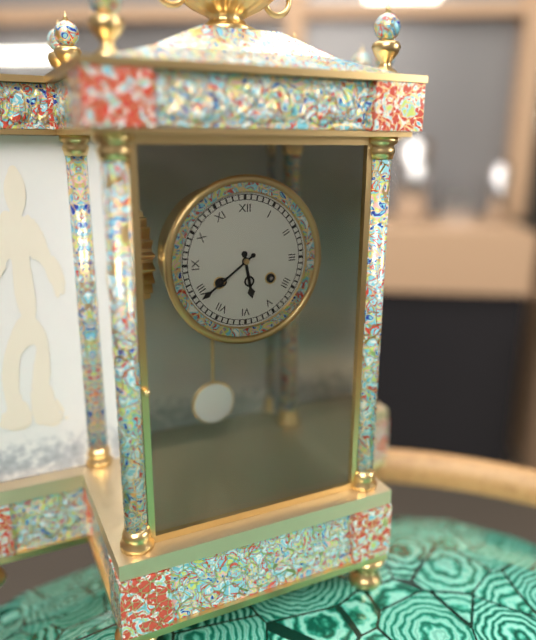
5:39
